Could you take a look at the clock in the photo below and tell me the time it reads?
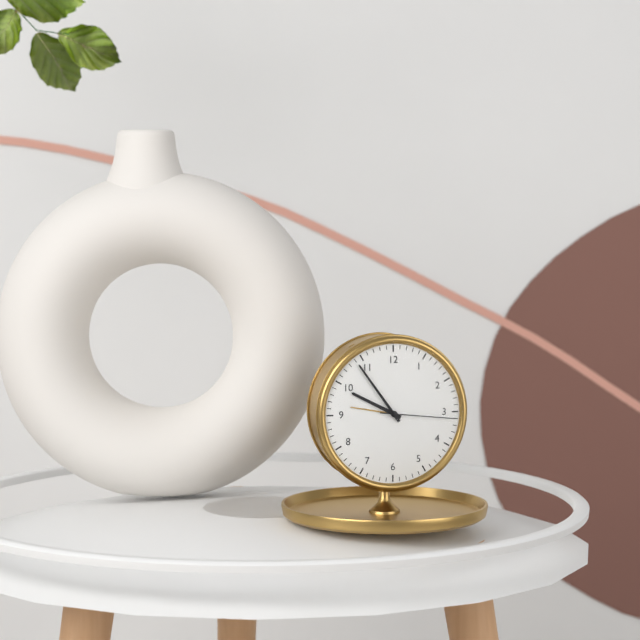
9:54:16
